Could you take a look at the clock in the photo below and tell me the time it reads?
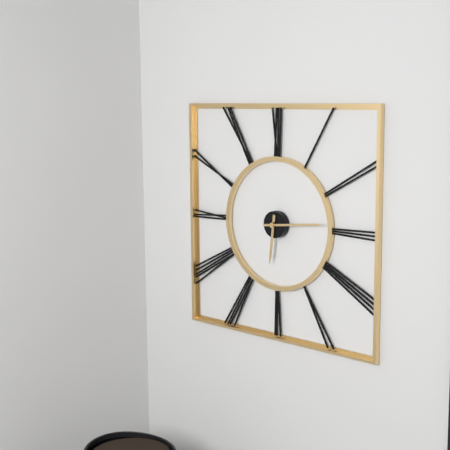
6:14
